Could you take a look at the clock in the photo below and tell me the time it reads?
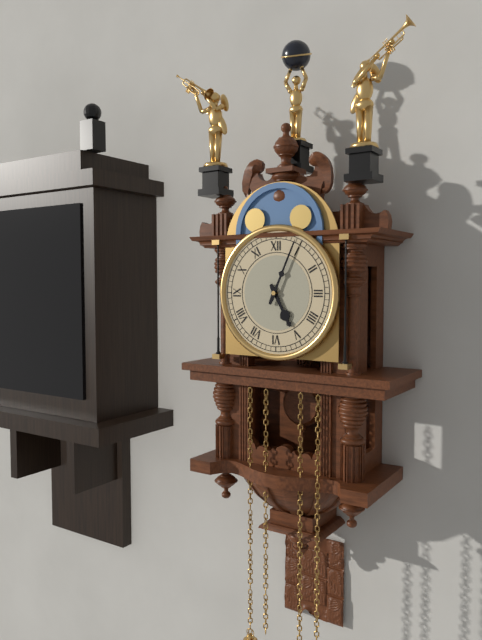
5:04
